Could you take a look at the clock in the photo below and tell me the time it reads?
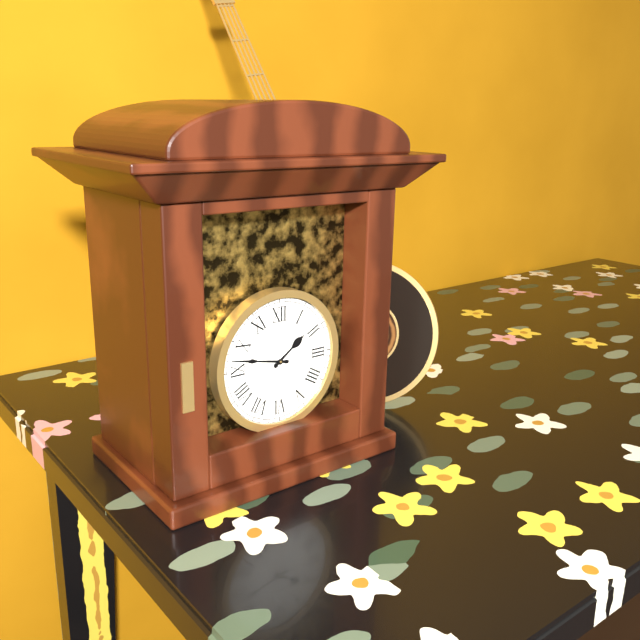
1:47
